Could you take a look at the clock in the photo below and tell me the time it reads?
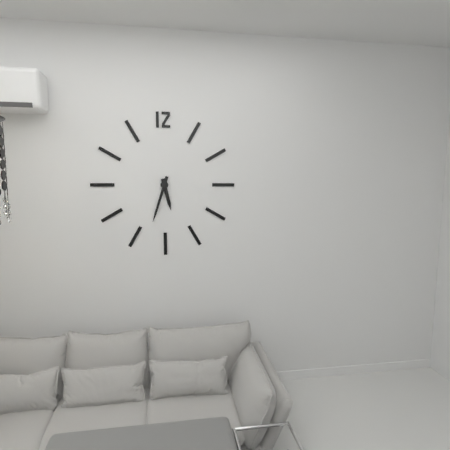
5:33
